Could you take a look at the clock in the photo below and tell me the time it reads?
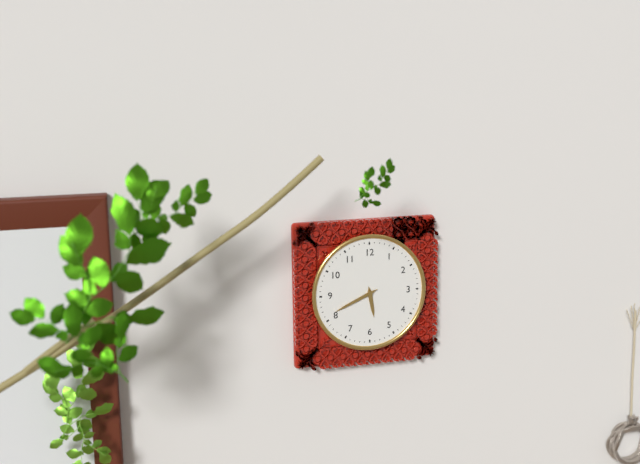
5:41
